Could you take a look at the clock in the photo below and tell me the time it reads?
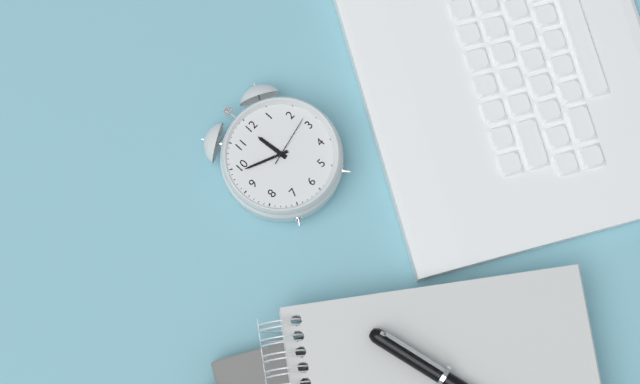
11:49:13
